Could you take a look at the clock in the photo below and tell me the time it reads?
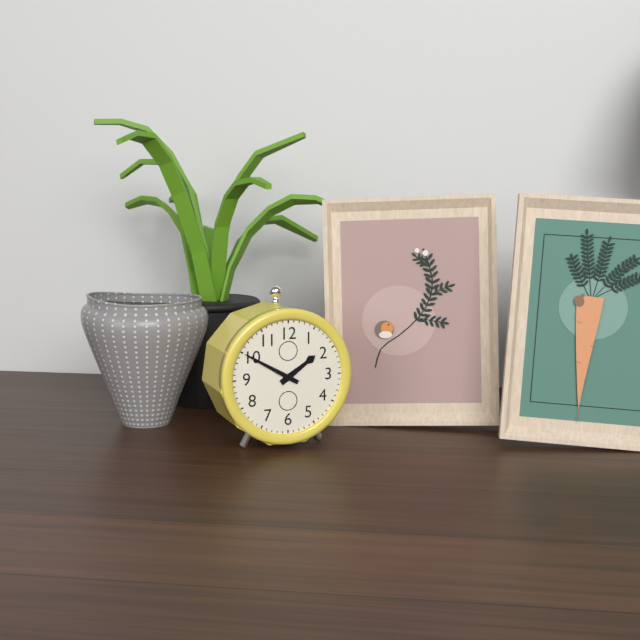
1:50
